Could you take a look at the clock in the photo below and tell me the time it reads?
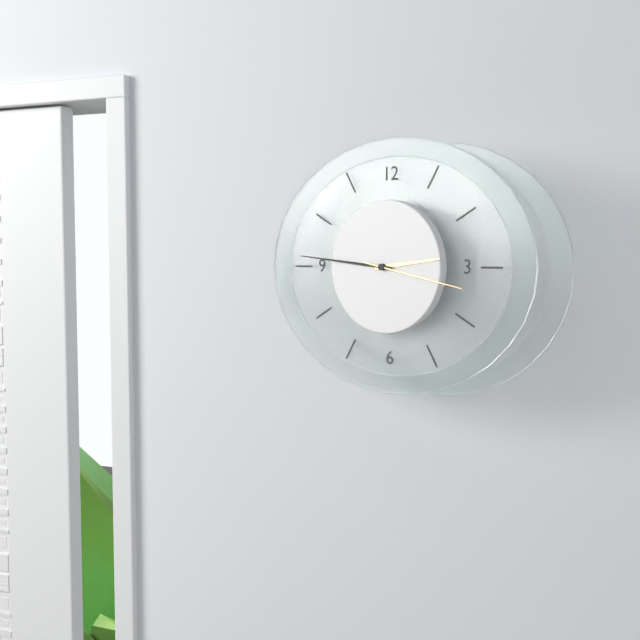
2:46:17
